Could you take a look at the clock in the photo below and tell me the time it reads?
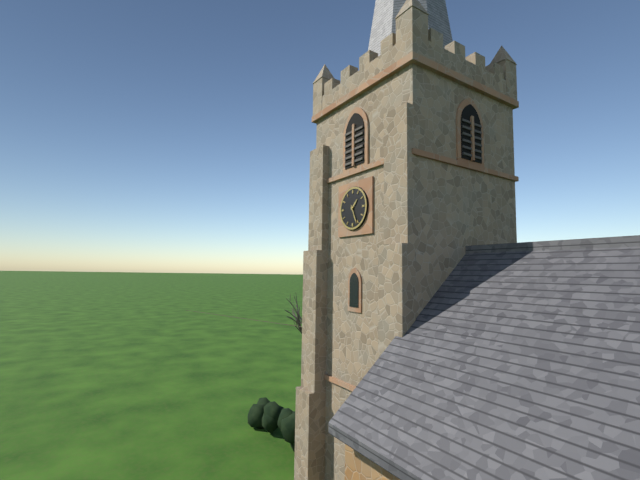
1:26
